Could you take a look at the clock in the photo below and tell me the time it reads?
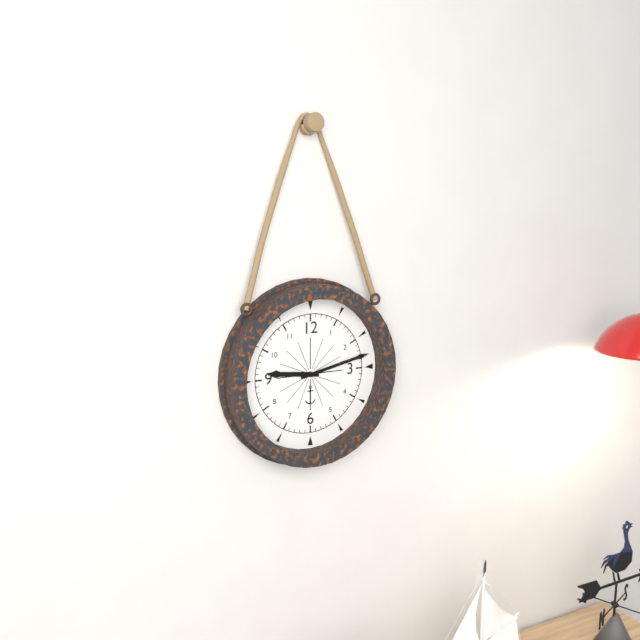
9:13
